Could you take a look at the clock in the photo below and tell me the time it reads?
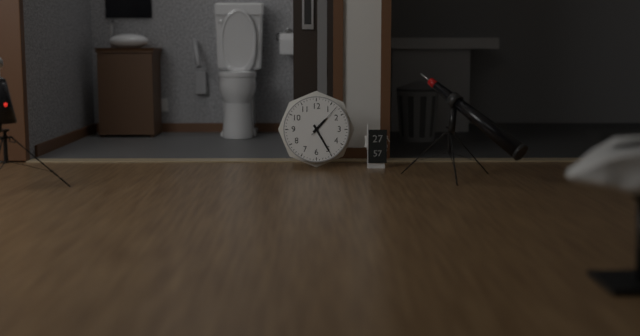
1:25
